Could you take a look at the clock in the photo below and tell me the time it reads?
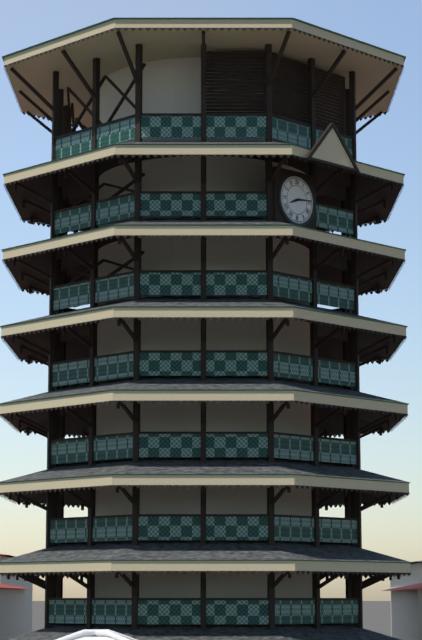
8:14
